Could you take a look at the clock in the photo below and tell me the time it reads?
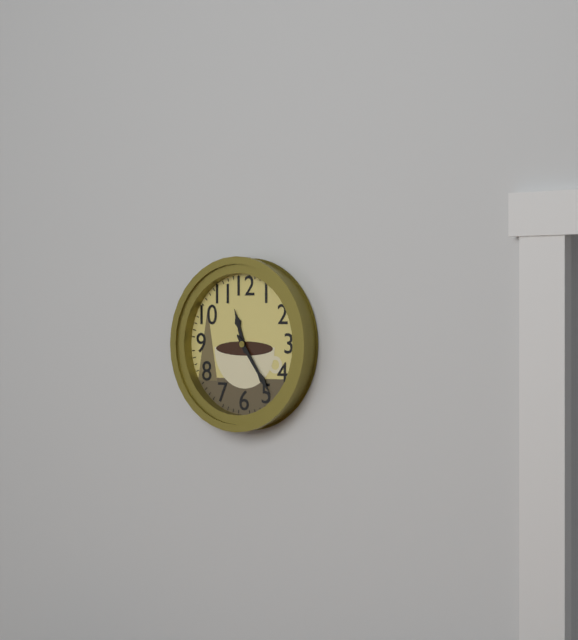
11:24
